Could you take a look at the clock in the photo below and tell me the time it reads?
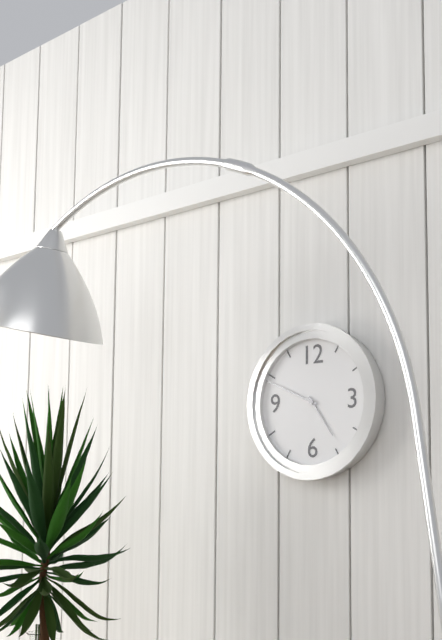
4:49
